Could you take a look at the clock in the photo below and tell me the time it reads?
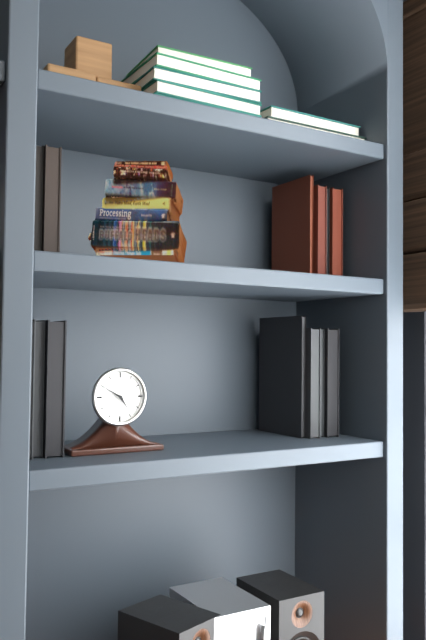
4:50
